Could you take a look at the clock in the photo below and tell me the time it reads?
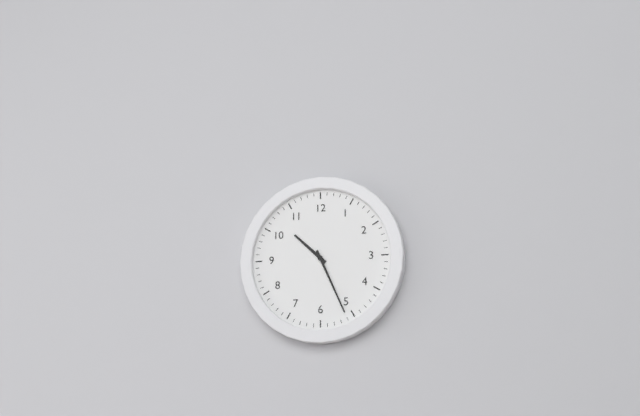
10:26
